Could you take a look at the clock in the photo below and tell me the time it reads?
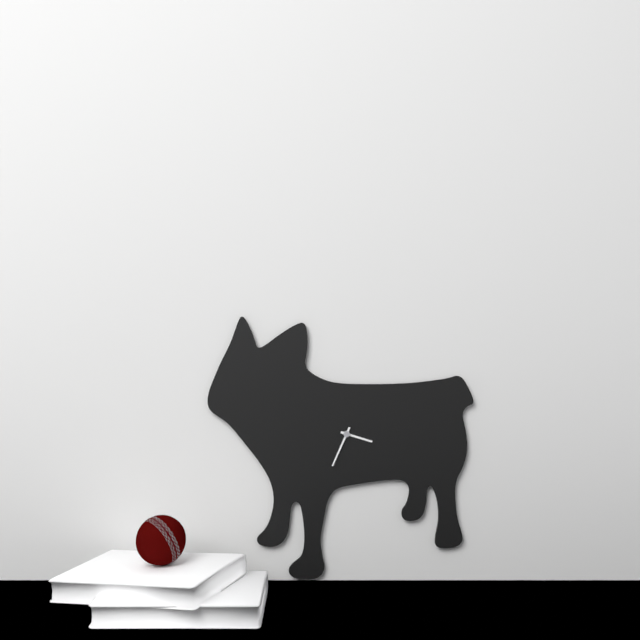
3:34
